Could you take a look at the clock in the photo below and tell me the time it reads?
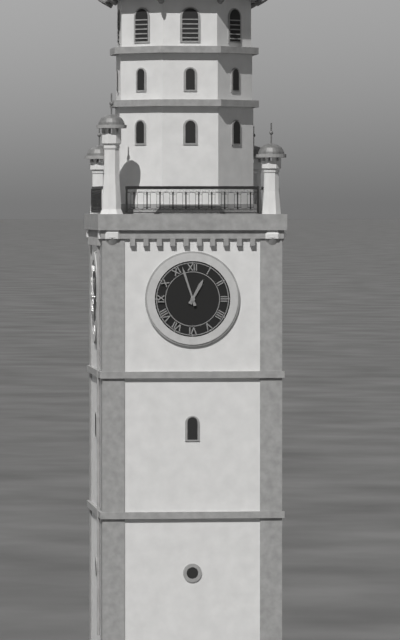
12:57
